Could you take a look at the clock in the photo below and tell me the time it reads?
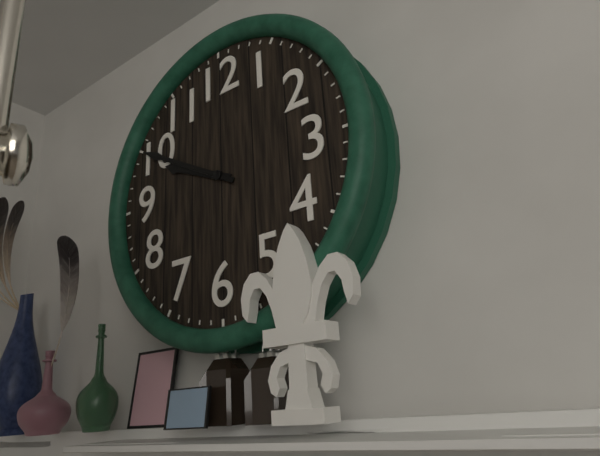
9:50
